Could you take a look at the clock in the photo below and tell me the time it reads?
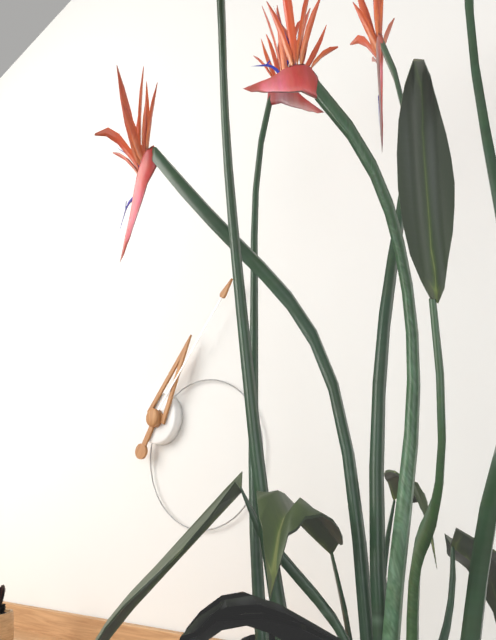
1:07
